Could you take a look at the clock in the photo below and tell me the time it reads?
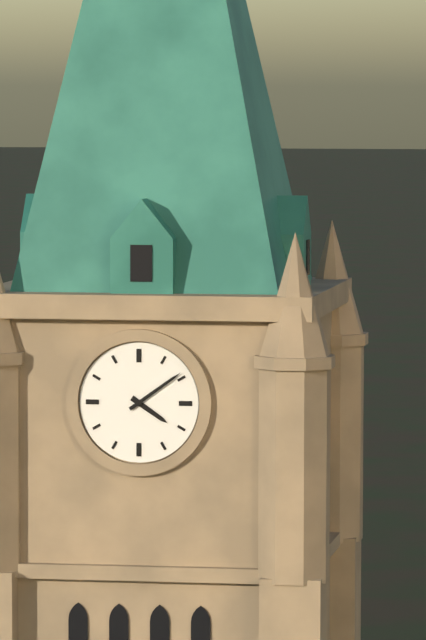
4:09
